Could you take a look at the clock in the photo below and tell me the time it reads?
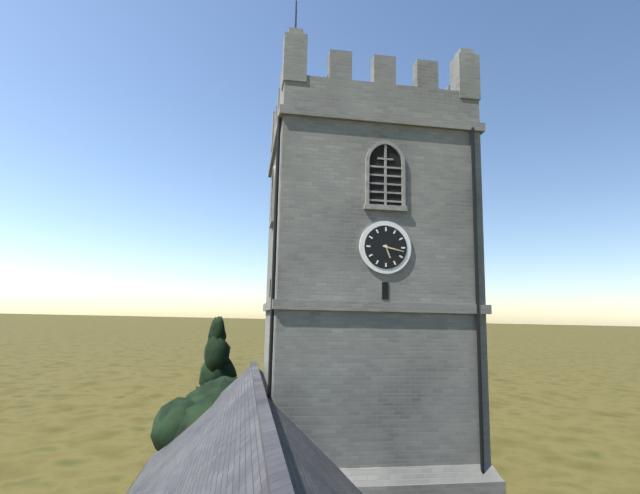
5:17
